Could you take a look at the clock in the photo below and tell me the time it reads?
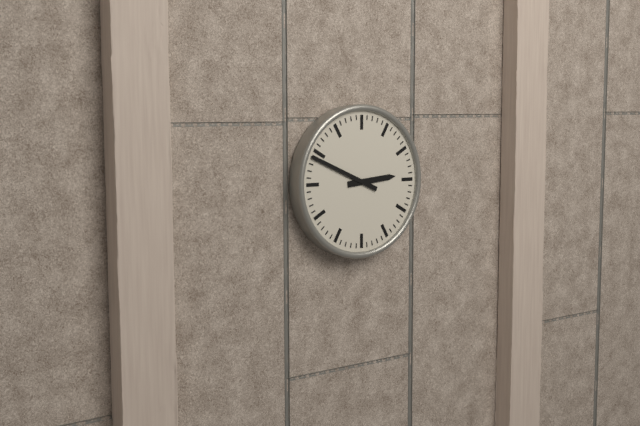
2:49
